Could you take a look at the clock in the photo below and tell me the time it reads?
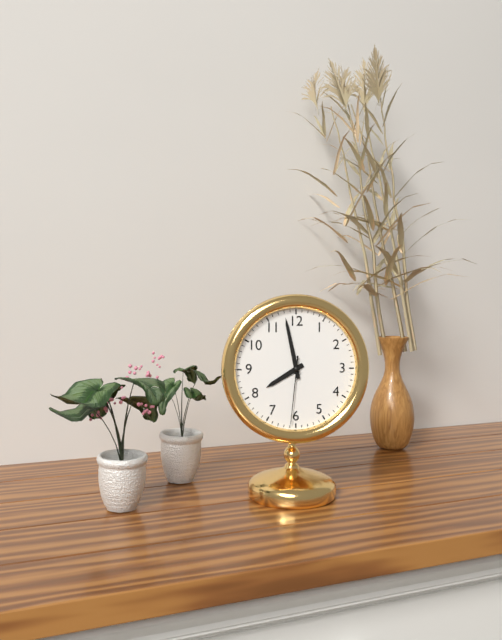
7:58:31
